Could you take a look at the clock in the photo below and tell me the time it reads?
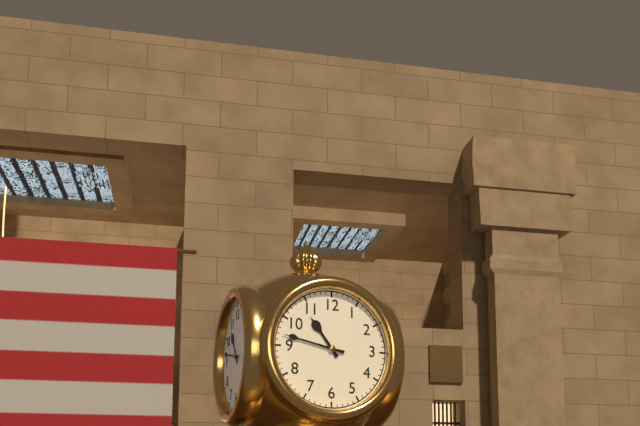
10:47
